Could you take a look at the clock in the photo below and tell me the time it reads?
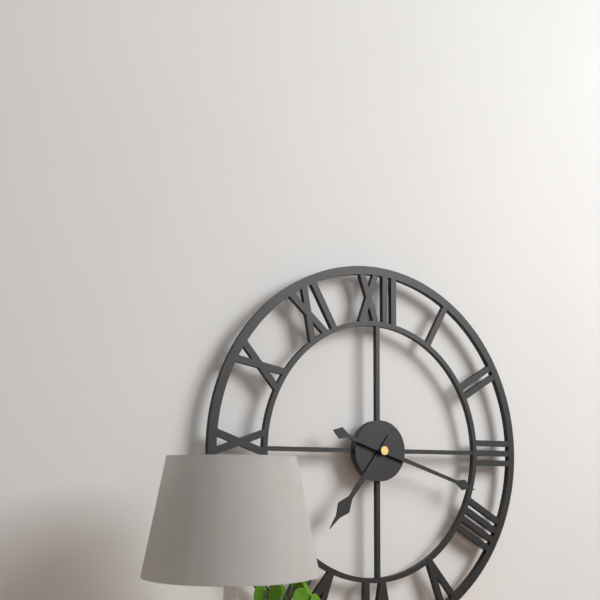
7:18
